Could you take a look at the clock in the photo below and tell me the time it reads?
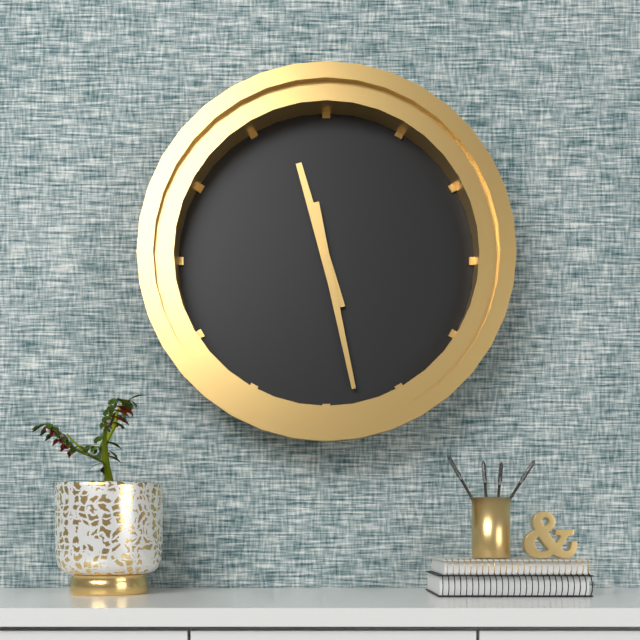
11:28
